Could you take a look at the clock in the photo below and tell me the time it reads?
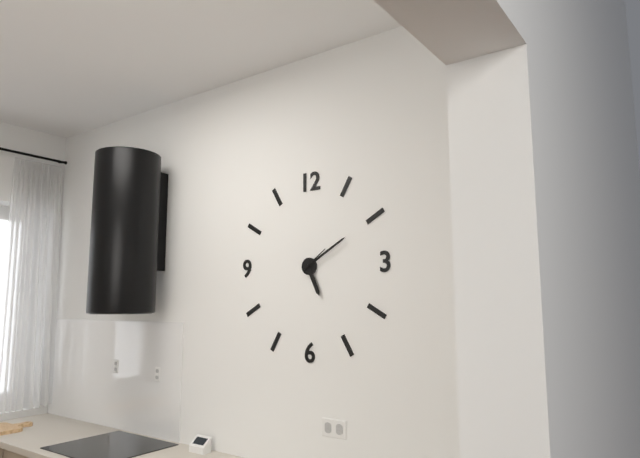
5:10
